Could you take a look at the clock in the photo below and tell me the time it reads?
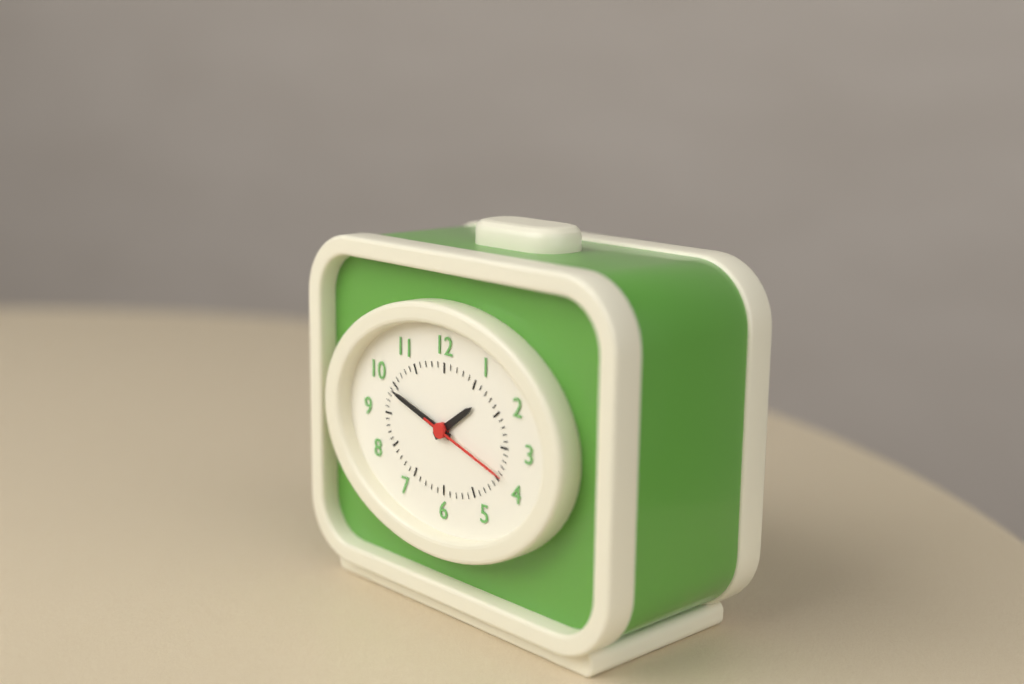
1:48:18
